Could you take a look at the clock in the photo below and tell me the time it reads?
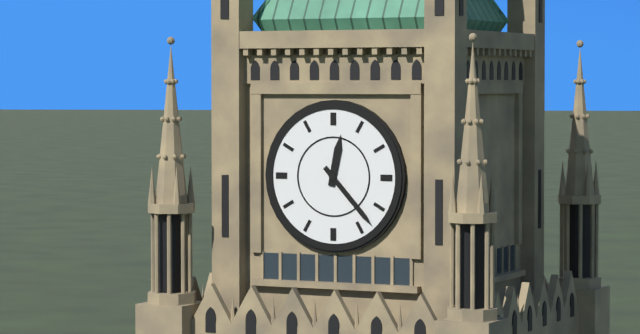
12:23
